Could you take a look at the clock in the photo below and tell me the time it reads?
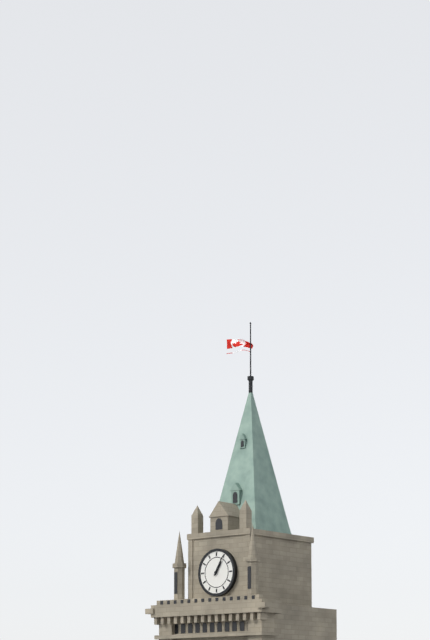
1:05
